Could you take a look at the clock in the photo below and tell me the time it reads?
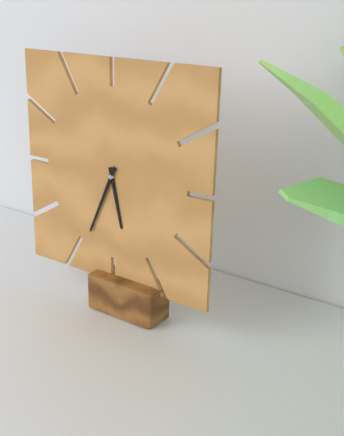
5:34
